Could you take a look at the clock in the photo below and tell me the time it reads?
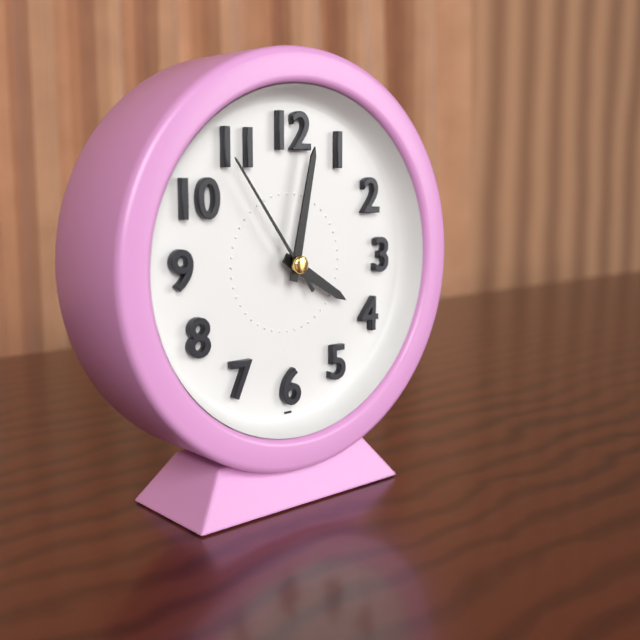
4:02:54
